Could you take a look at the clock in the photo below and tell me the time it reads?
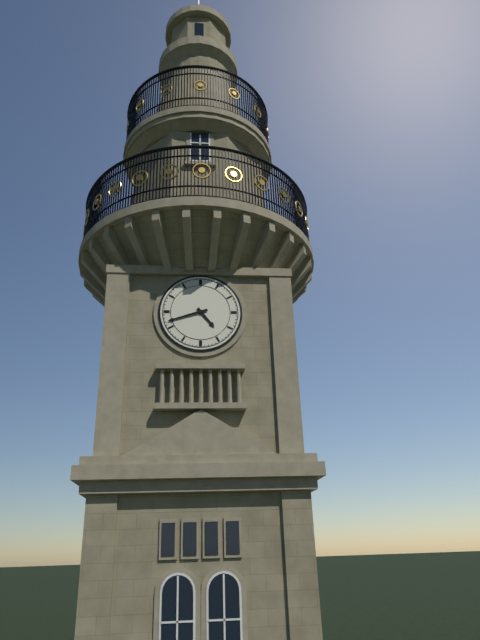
4:42
